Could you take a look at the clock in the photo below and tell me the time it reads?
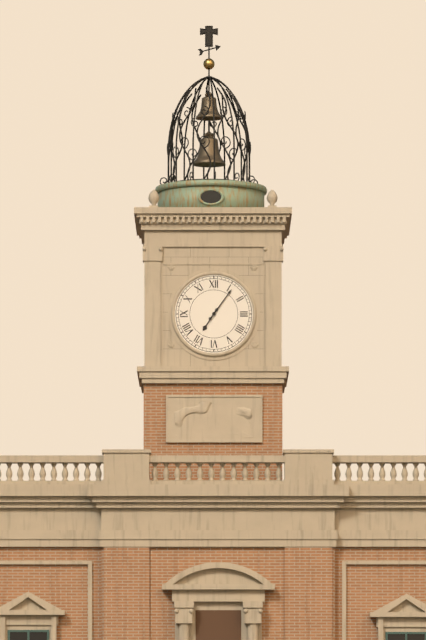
7:06
